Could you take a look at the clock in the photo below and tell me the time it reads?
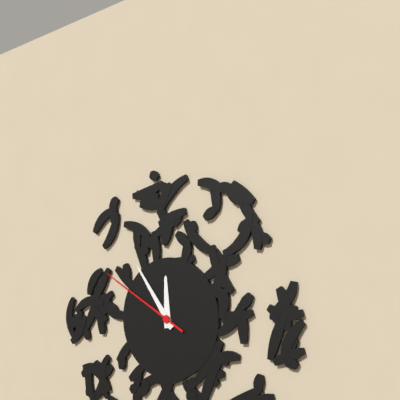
11:54:50
